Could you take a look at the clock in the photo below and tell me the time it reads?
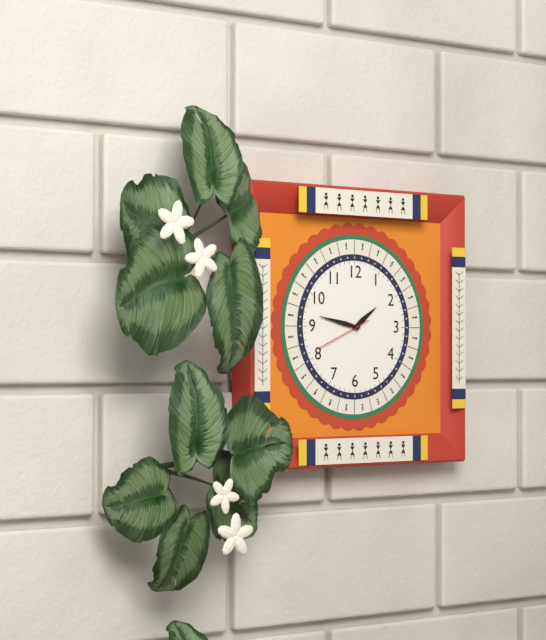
1:47:41
